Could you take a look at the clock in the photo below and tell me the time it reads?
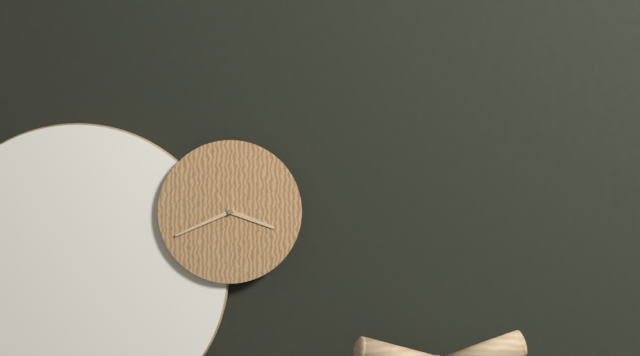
3:41
